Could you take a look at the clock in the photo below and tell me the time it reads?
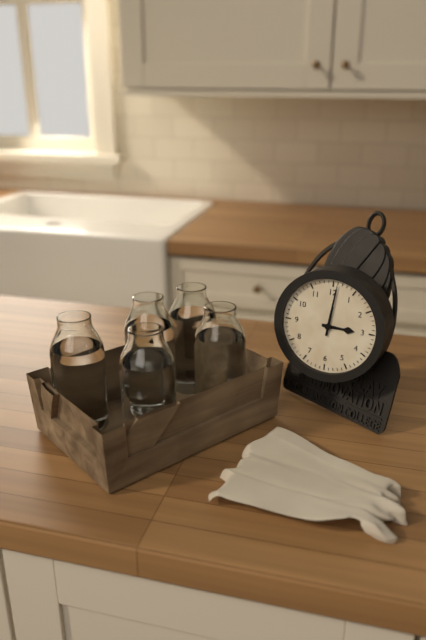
3:01
